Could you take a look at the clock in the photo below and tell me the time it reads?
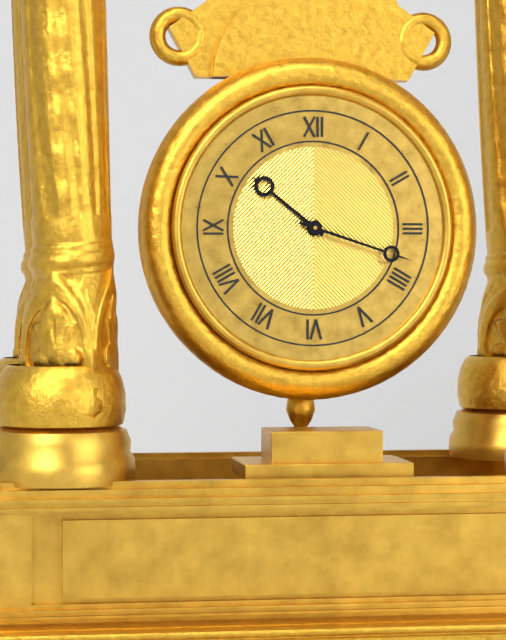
10:18
